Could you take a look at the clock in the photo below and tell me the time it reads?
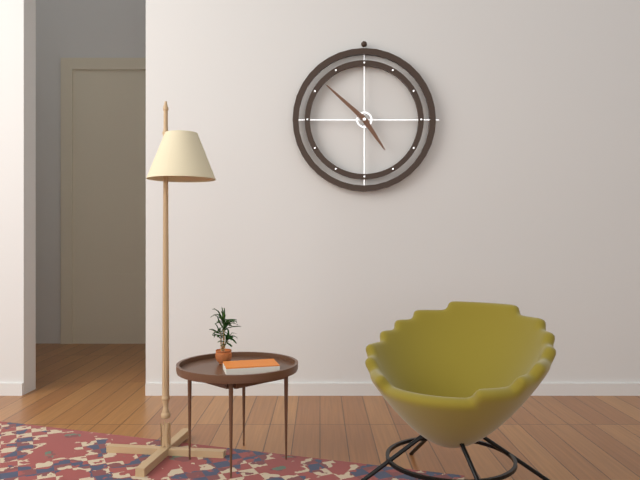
4:52
